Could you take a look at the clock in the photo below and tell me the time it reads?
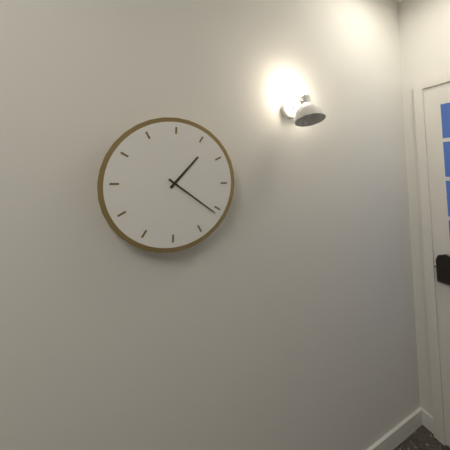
1:21
